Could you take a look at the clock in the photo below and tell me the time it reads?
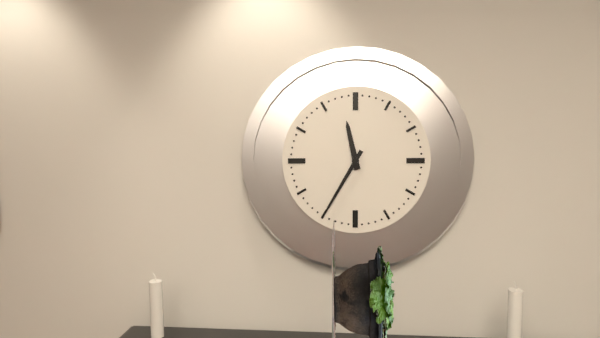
11:35
